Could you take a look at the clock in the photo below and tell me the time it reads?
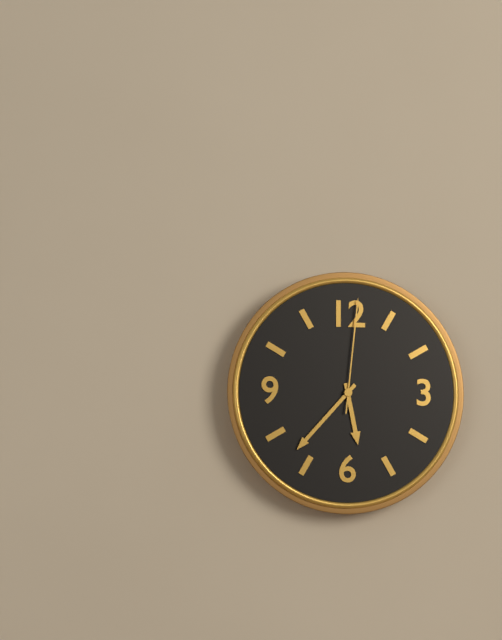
5:37:01
